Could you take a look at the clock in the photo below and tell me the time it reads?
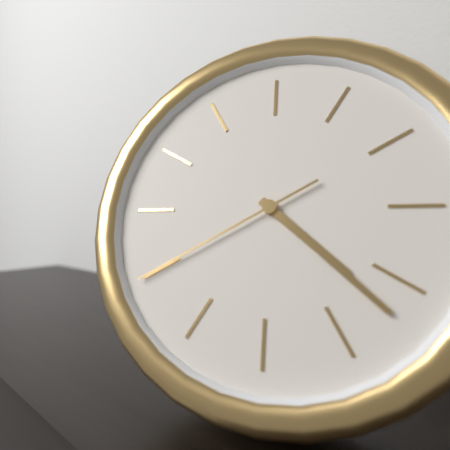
4:22:40
